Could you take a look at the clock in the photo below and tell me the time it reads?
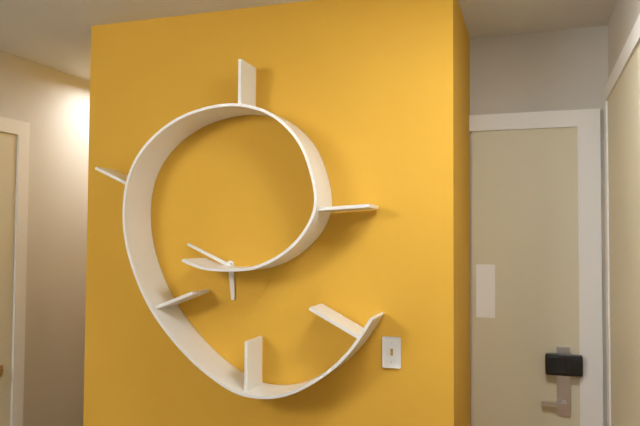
5:49
